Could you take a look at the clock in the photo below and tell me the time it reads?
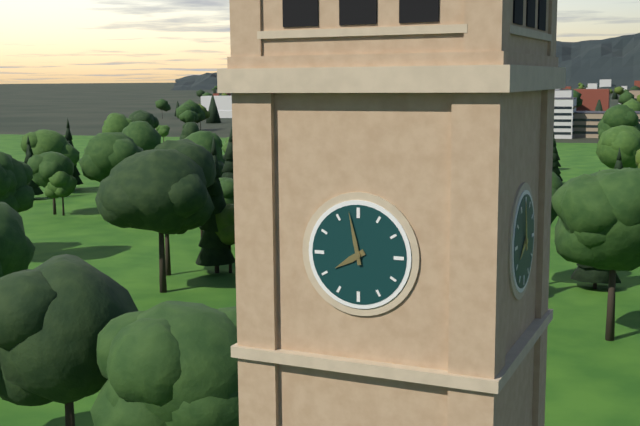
7:58
